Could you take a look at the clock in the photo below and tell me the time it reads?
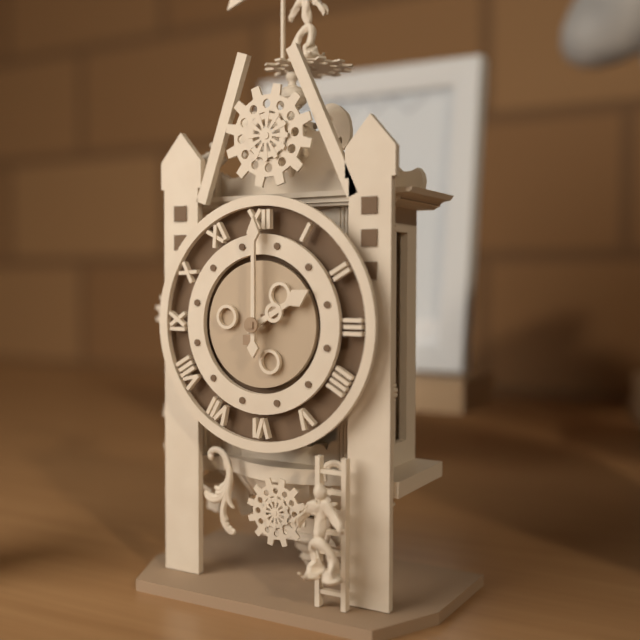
2:00
